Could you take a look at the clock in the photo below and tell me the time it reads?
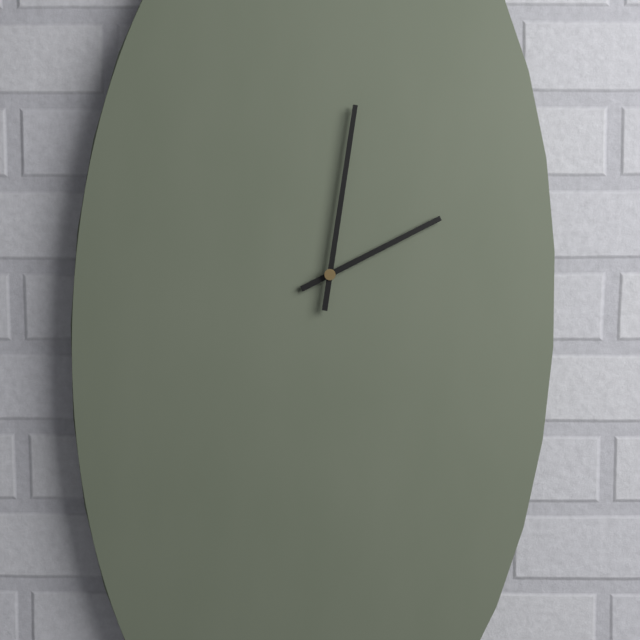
2:01
